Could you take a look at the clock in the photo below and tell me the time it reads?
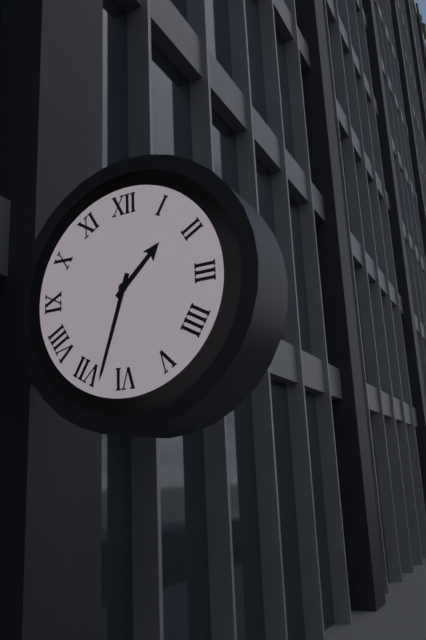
1:33
